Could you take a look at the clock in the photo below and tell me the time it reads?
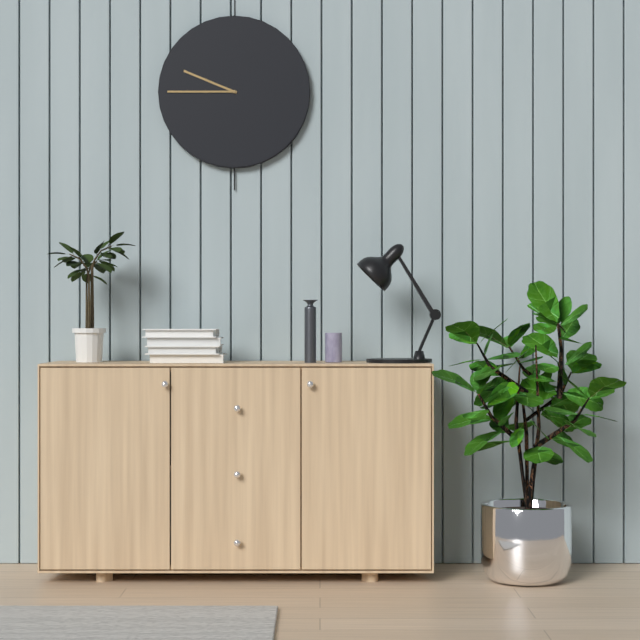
9:45
